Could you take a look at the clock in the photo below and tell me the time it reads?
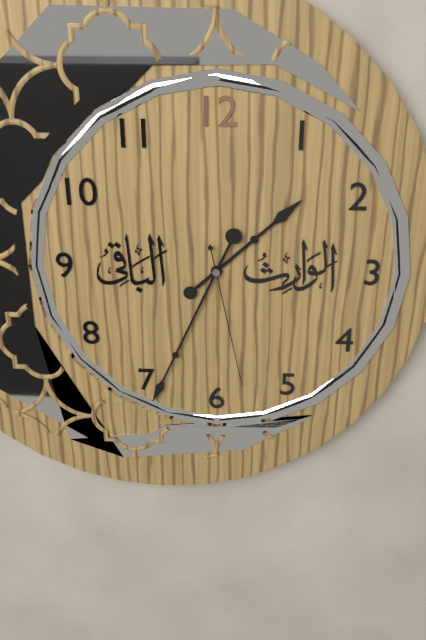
1:34:28
